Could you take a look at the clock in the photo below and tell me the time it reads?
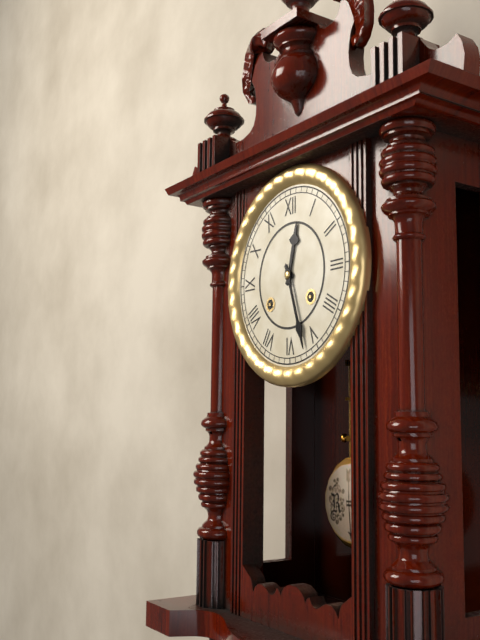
12:27
